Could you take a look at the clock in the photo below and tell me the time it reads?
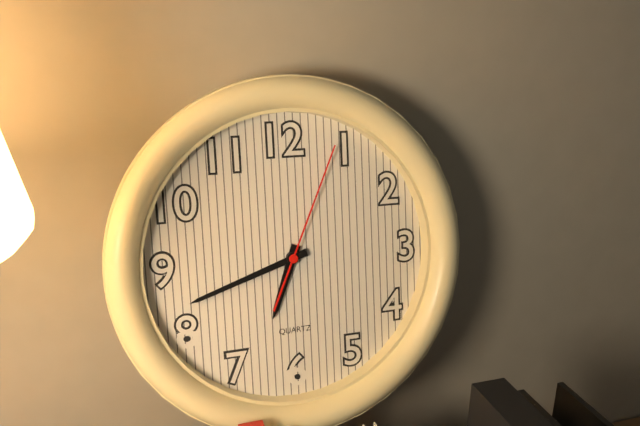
6:42:04
